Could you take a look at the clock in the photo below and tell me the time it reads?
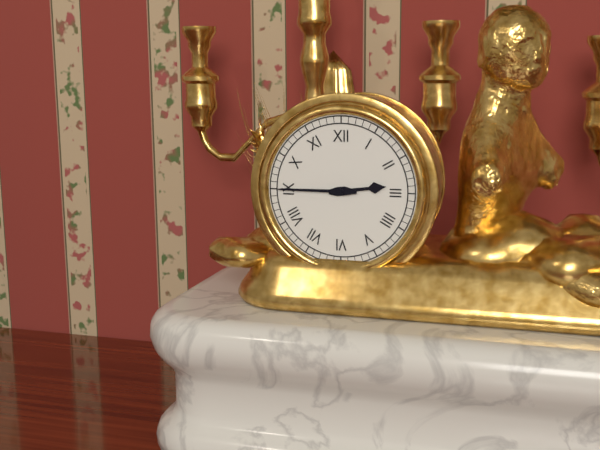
2:45
